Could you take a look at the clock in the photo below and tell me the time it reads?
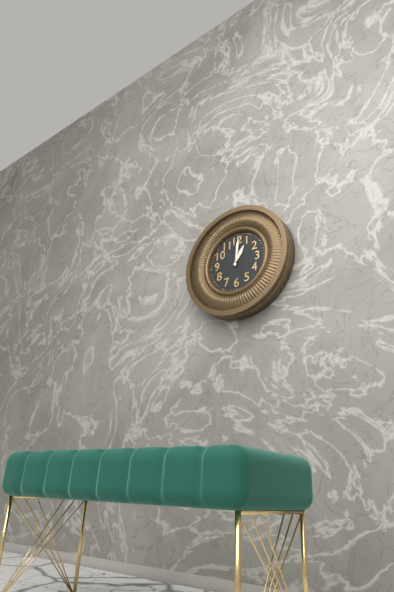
1:01
